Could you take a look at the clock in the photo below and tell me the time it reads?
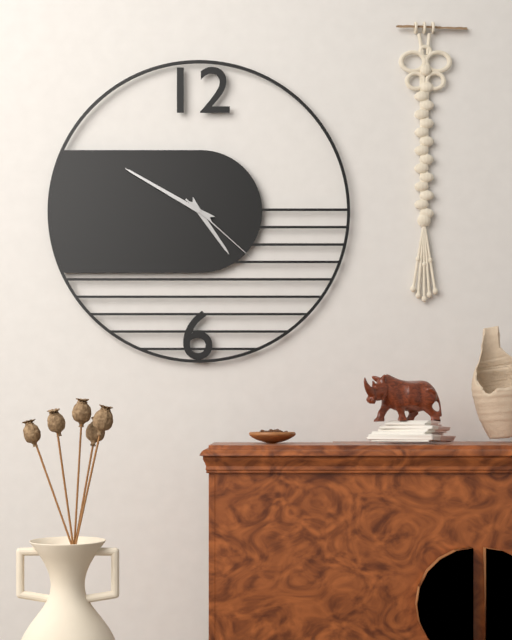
4:50:22
